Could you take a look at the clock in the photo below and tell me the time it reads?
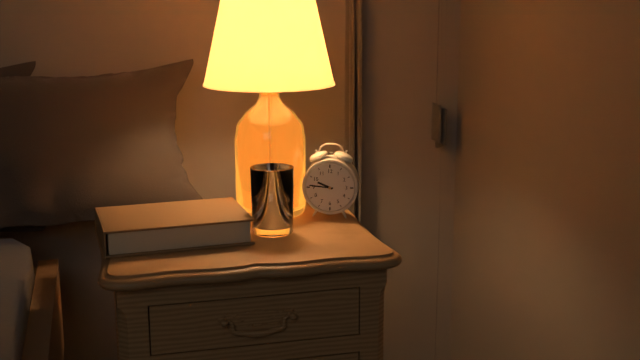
9:46
